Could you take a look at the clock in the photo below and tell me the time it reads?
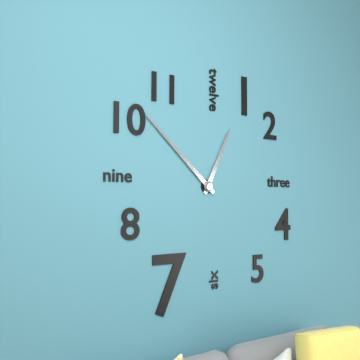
12:52
